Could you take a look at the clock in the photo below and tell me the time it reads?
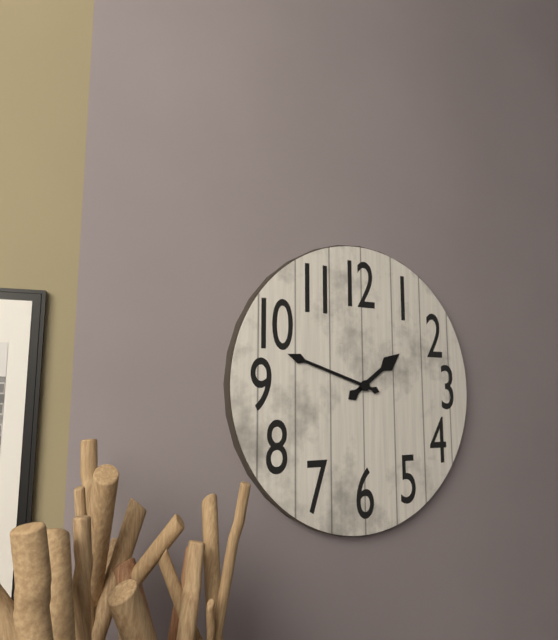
1:48
